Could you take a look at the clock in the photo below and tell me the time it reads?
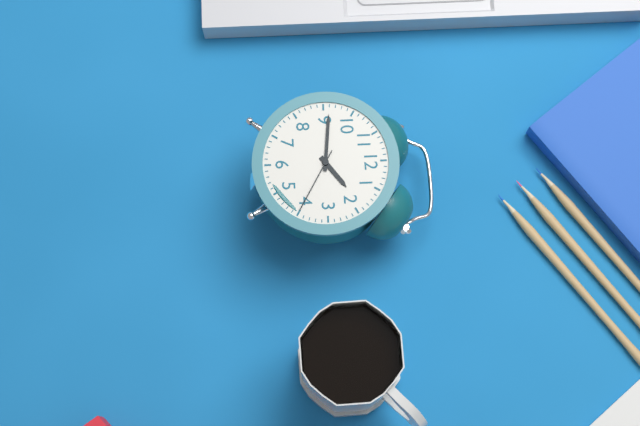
1:46:20
